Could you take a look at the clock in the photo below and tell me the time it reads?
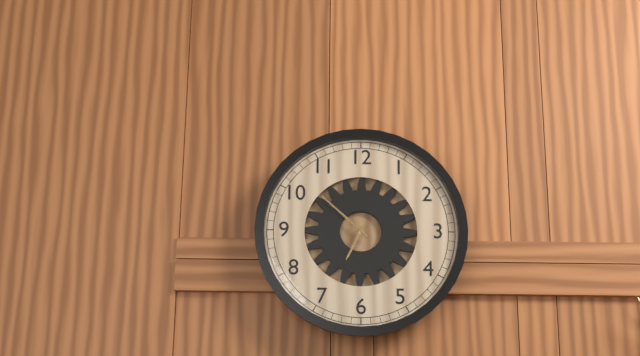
6:52
